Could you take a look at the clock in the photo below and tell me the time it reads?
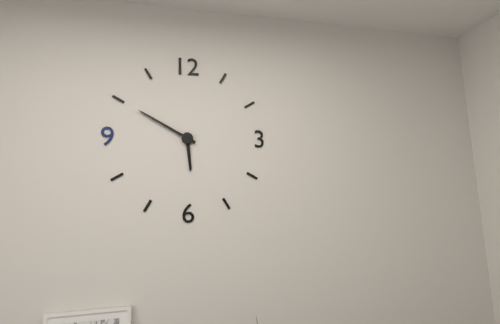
5:50
